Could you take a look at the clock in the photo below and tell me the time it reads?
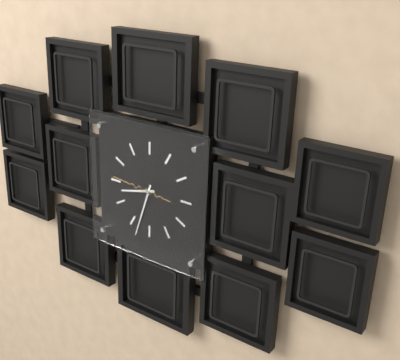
8:33
